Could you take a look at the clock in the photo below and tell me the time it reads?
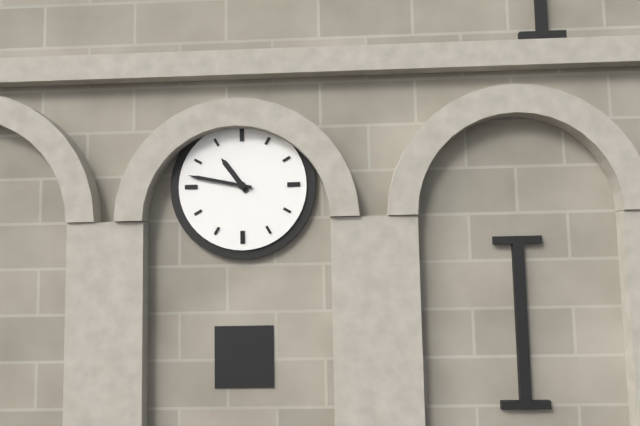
10:47
